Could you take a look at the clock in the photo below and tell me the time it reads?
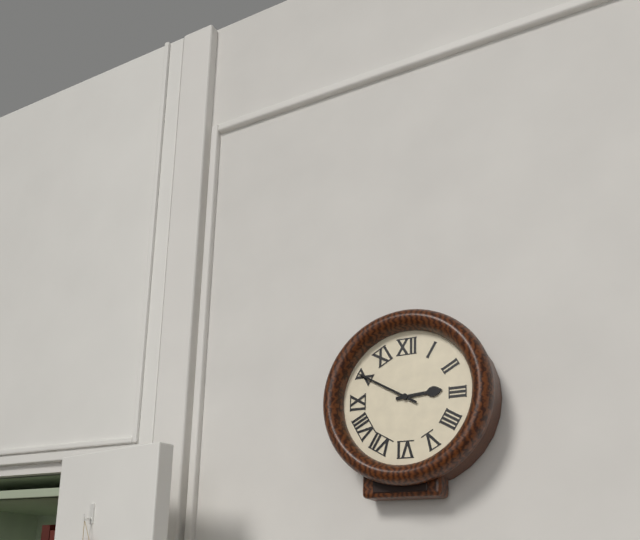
2:50
